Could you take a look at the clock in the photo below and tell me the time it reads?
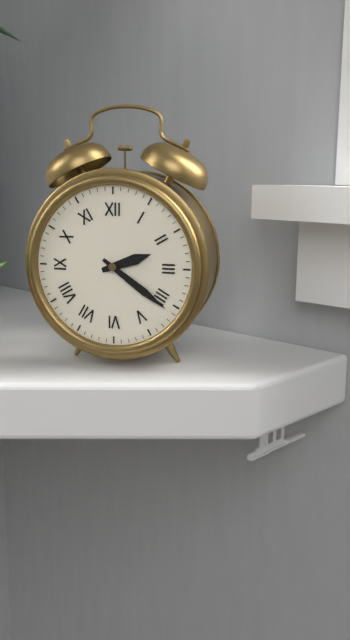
2:21
